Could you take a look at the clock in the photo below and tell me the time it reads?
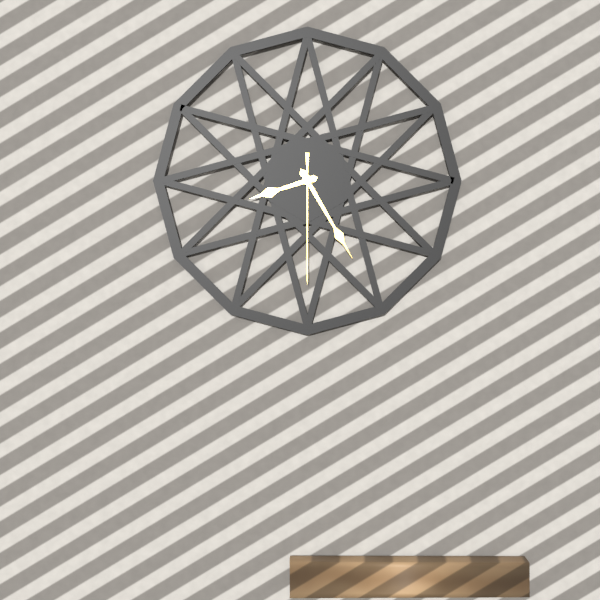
8:25:30
